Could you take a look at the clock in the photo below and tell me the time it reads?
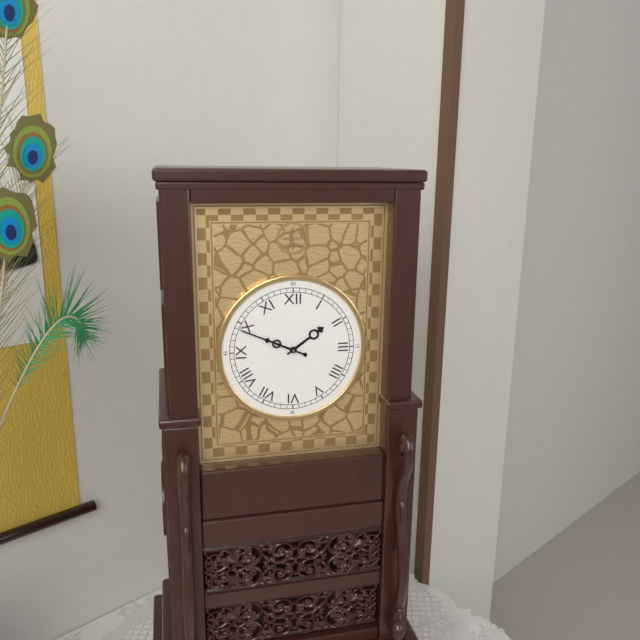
1:49
